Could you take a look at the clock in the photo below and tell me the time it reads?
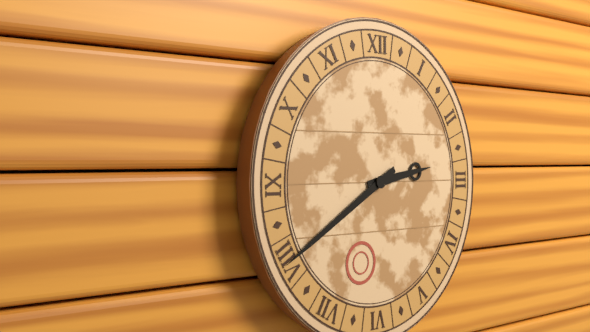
2:40
